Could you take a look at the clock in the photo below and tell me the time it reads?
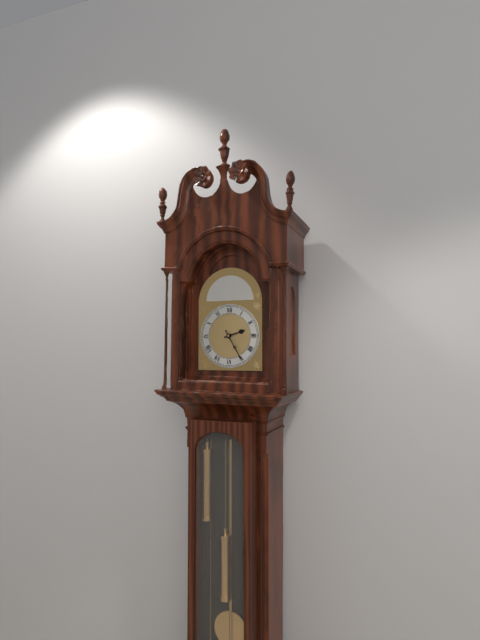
2:25
